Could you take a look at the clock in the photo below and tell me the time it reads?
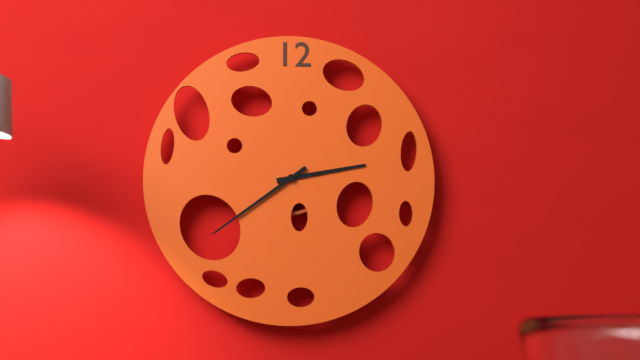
2:39
